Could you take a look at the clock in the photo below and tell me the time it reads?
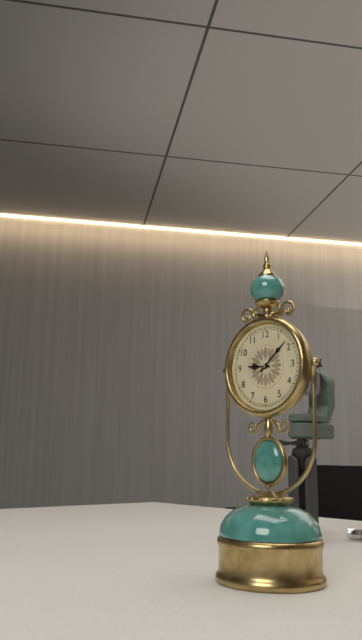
9:08
